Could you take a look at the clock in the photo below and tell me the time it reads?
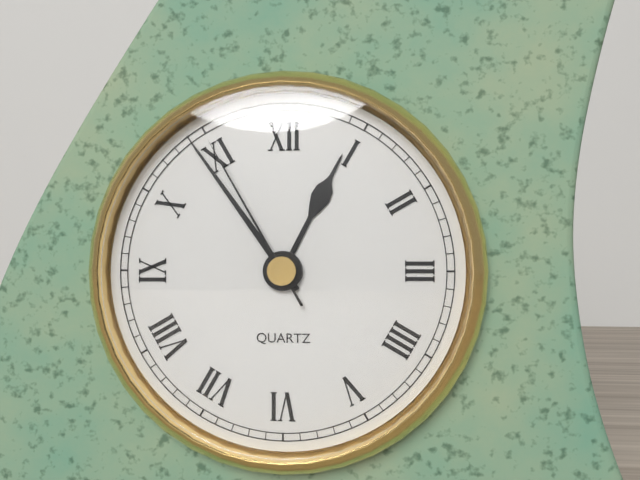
12:54:55
